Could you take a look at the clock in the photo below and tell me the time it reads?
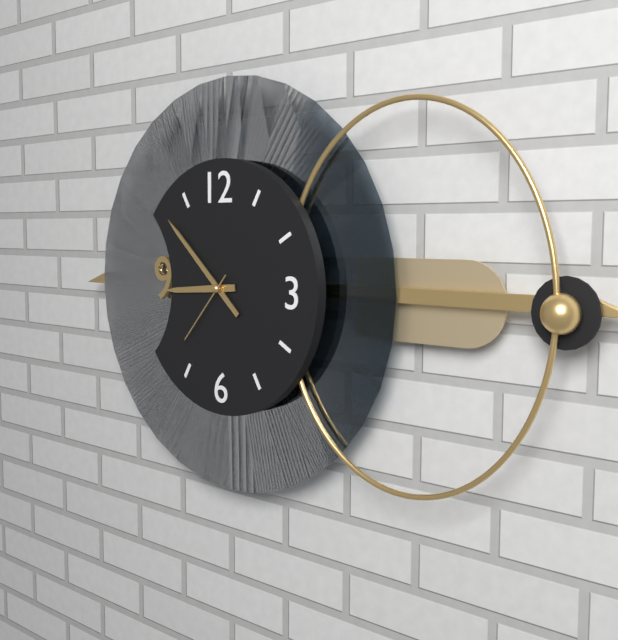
8:52:37
